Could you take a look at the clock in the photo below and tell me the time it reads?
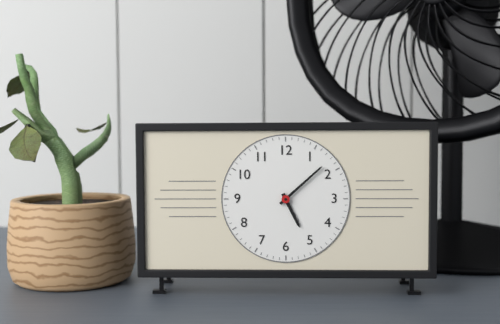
5:08
